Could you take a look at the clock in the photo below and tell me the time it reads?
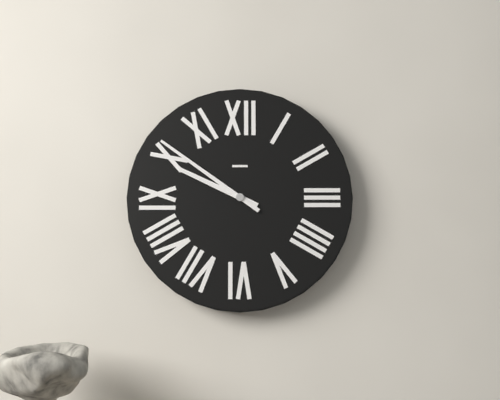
9:51
